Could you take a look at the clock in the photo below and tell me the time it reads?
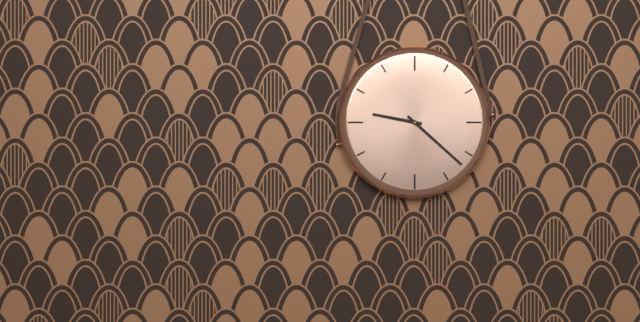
9:22
